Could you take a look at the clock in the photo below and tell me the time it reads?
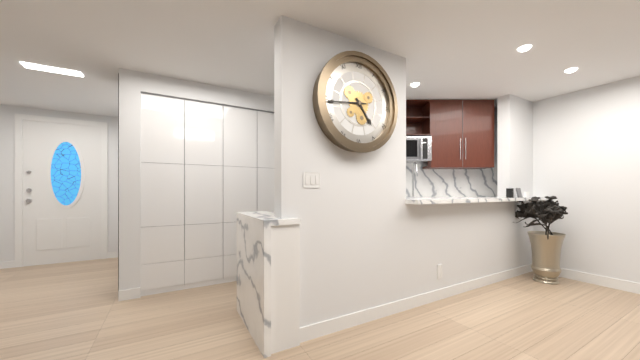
4:44
